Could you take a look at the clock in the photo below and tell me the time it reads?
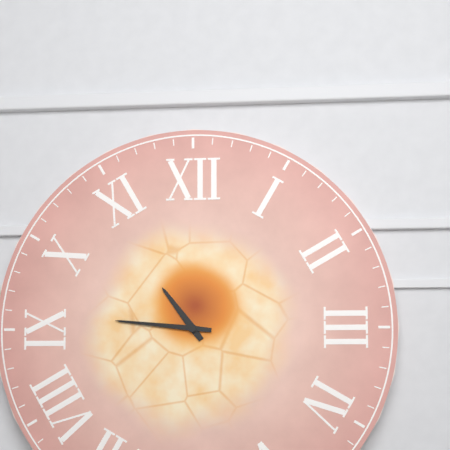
10:46
